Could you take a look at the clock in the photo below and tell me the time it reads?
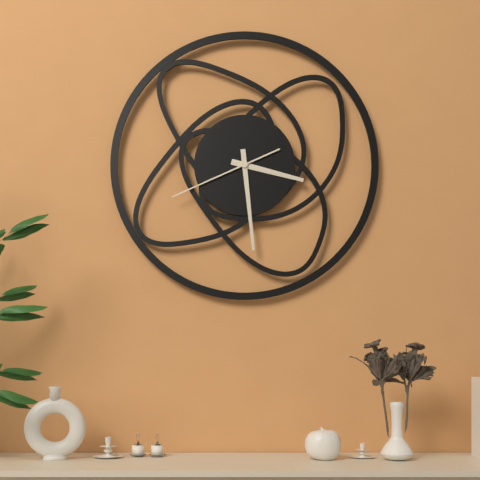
3:29:41
